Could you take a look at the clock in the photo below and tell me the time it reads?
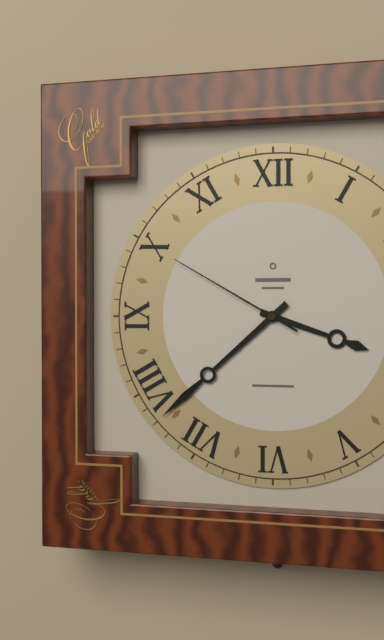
3:38:50
